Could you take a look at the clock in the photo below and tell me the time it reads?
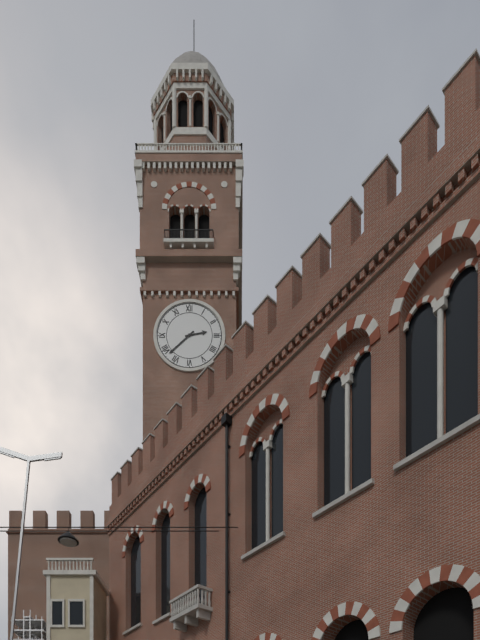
2:38
